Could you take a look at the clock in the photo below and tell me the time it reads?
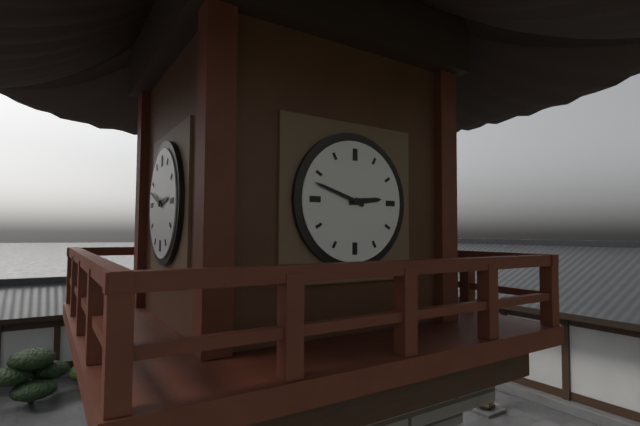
2:48
